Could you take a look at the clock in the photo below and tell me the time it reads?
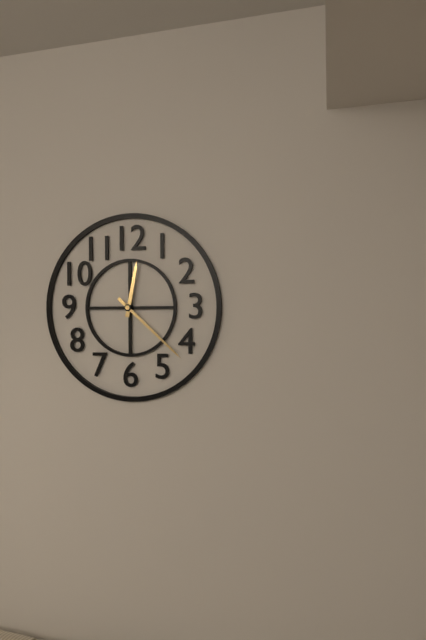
12:22
